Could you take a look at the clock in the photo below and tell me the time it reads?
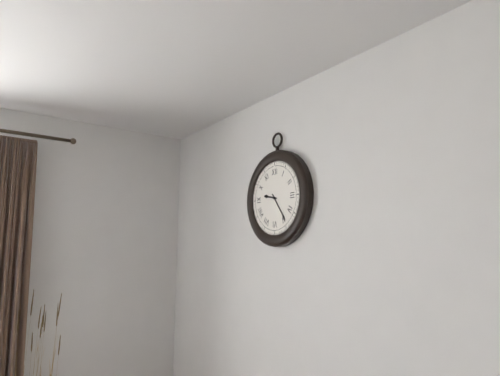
9:24
